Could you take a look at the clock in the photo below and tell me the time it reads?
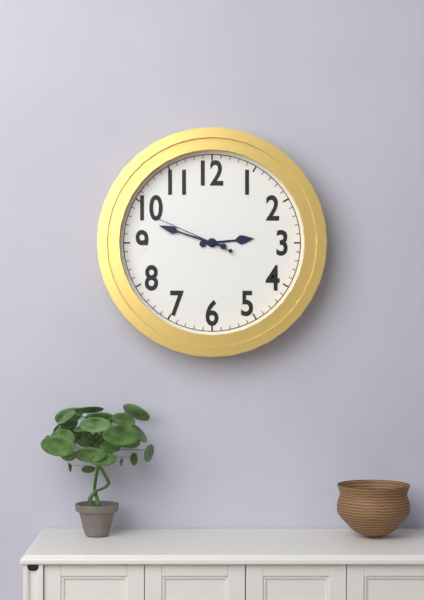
2:48:49
